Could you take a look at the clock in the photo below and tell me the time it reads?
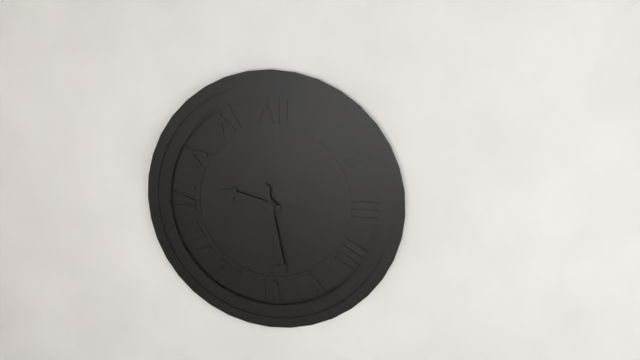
9:28
